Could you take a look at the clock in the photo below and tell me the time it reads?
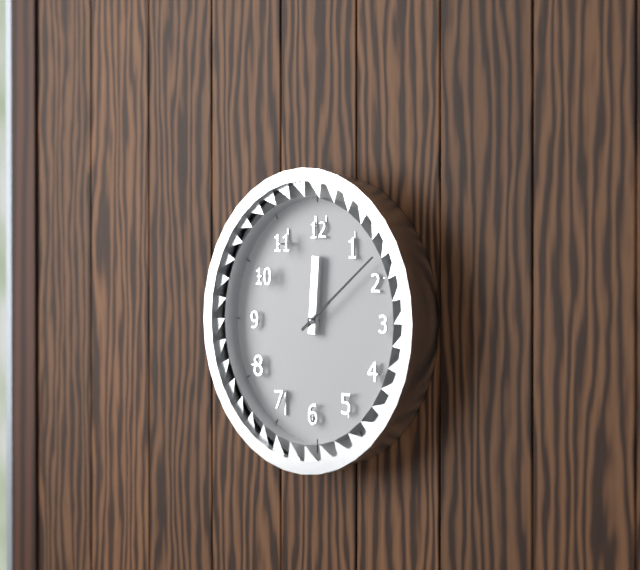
12:09
